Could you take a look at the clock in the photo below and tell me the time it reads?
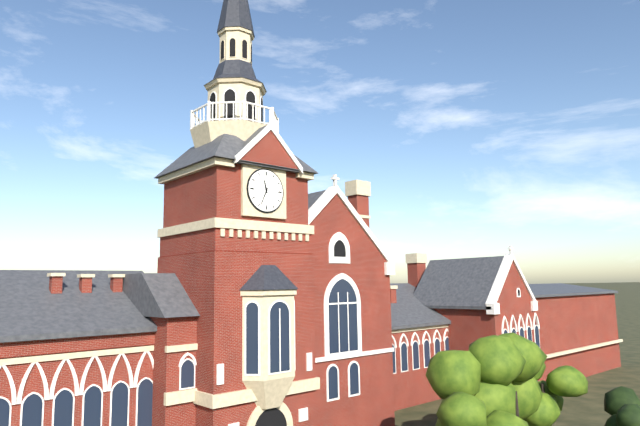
11:34
